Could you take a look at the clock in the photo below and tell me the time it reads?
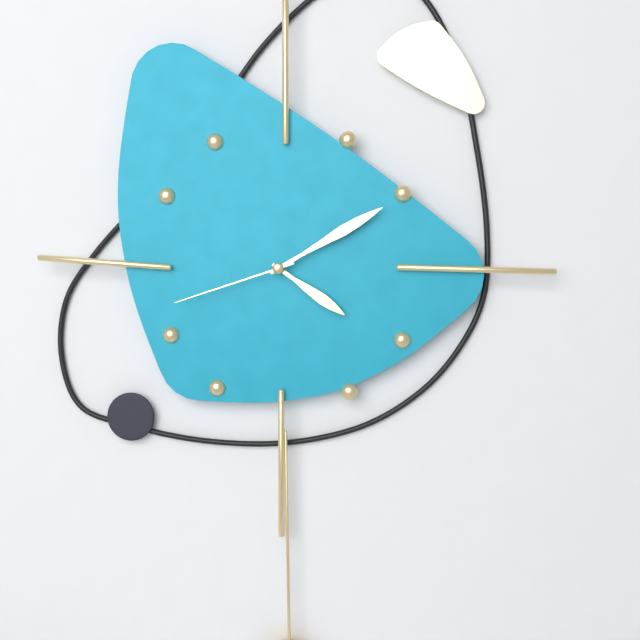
4:10:42
